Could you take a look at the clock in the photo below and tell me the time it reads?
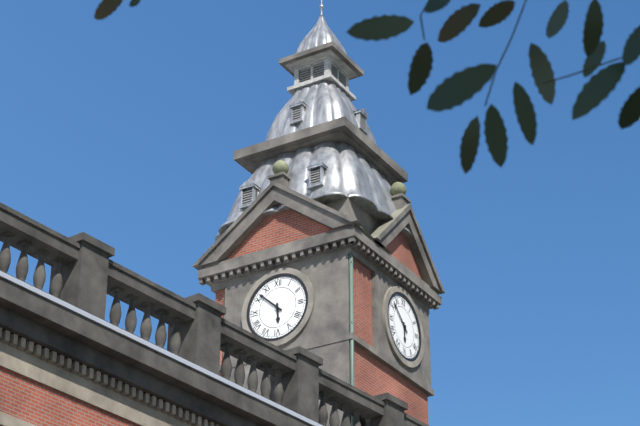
5:52
